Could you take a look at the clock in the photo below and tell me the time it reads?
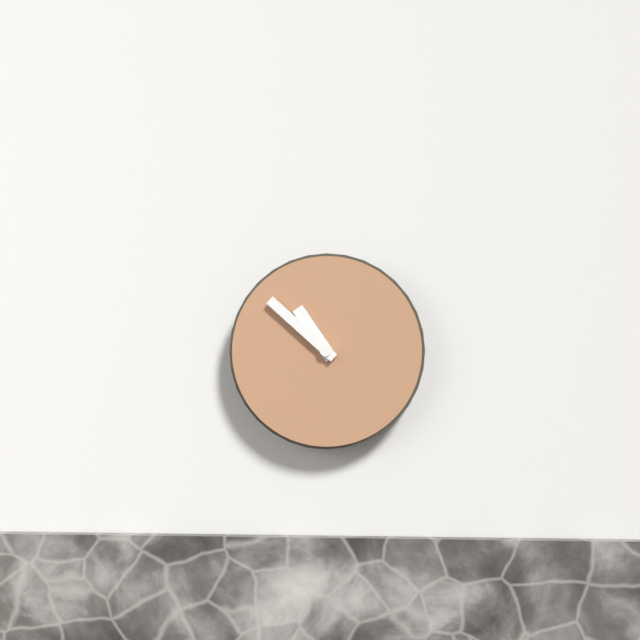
10:52
